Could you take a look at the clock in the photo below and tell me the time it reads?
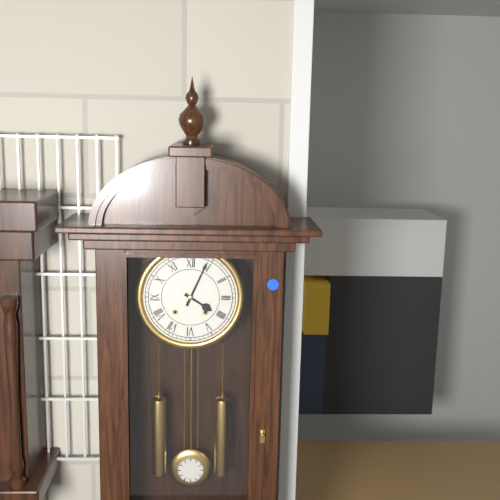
4:04
